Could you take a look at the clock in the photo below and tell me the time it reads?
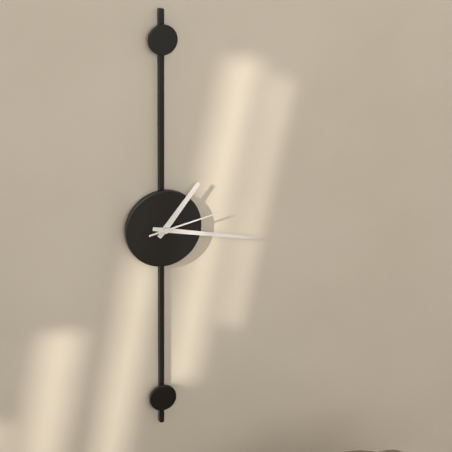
1:17:13
